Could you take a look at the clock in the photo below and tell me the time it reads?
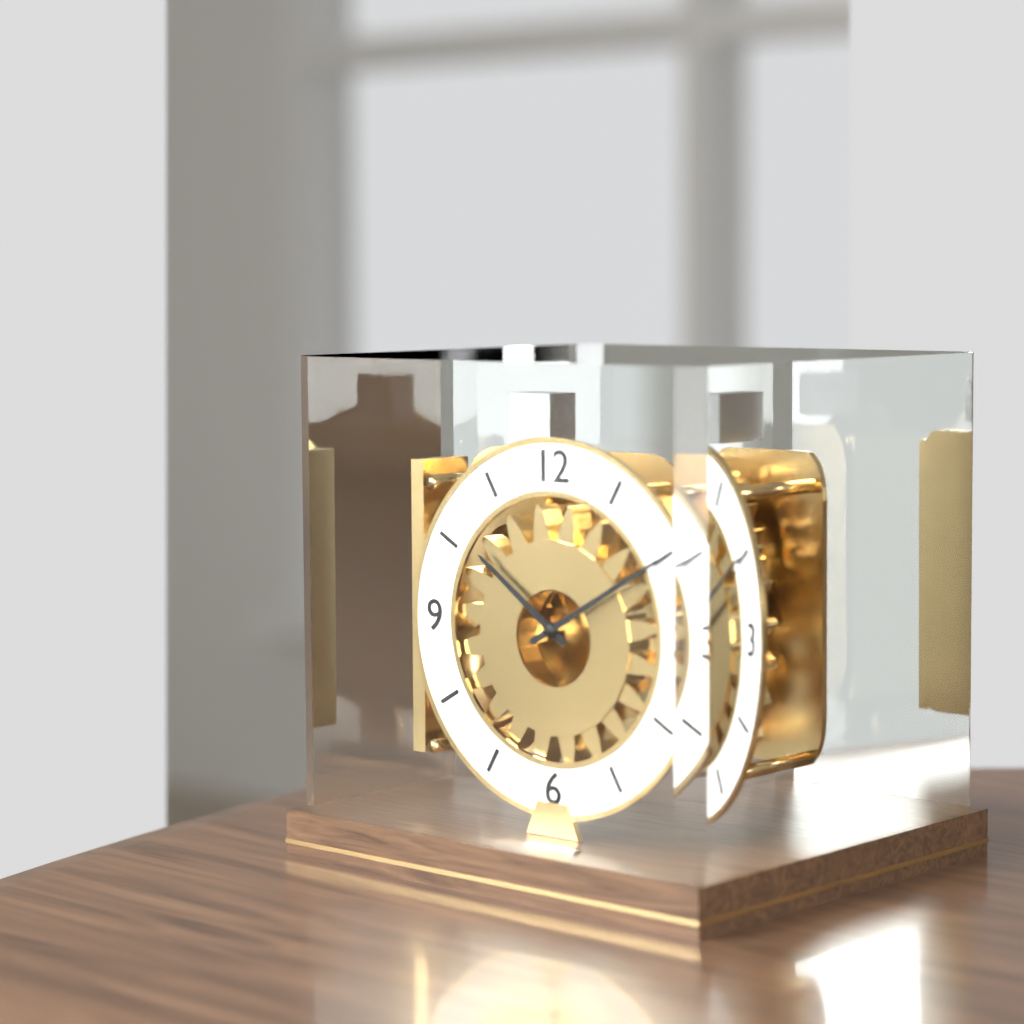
10:10
